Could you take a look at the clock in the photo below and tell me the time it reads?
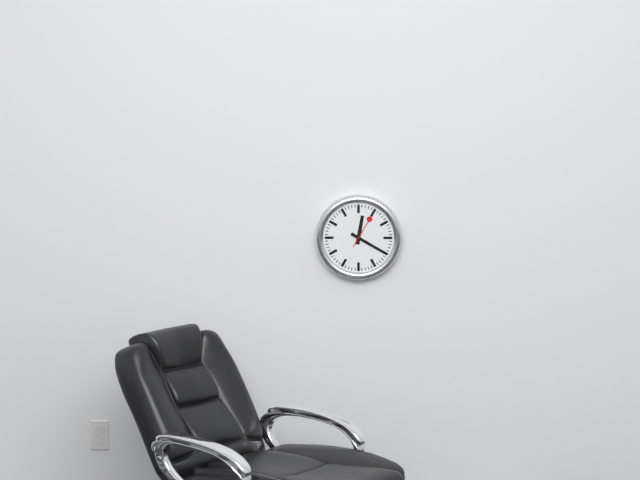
12:20
